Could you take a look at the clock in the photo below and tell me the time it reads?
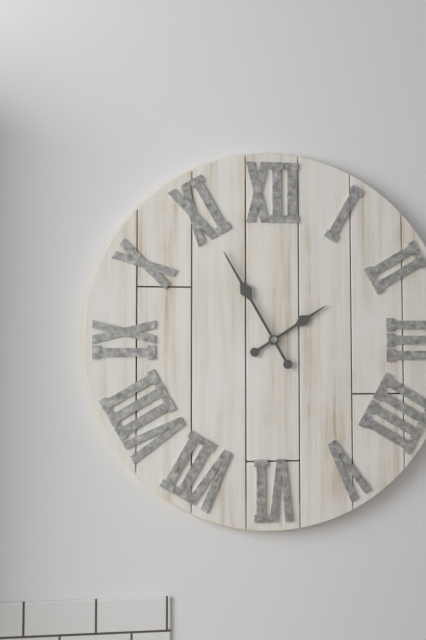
1:55
